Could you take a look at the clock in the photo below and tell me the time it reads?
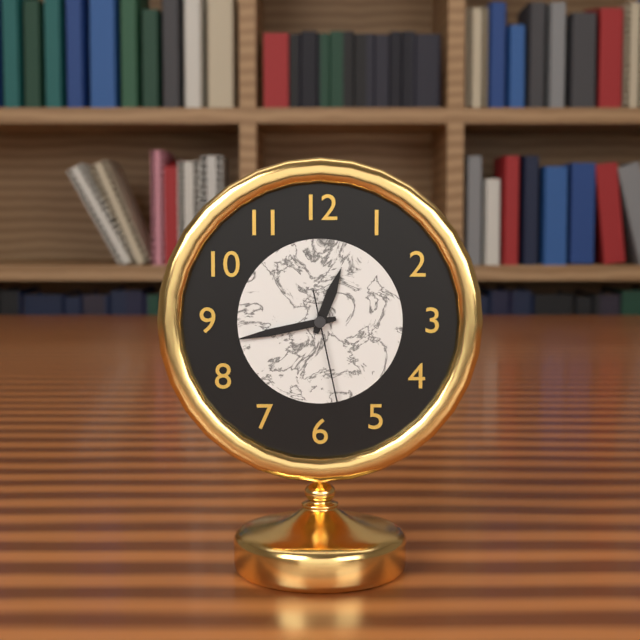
12:43:28
